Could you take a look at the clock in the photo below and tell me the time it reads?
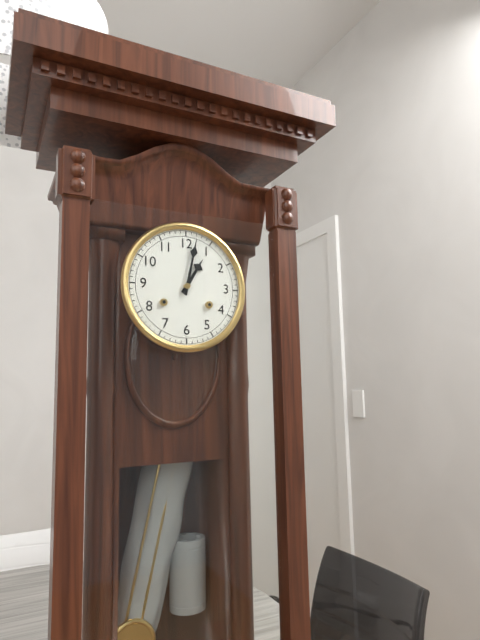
1:02
